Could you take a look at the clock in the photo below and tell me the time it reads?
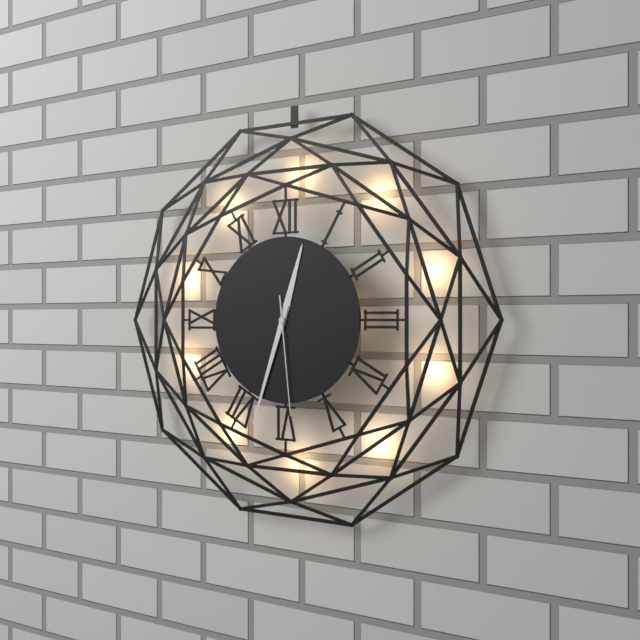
12:33:29
